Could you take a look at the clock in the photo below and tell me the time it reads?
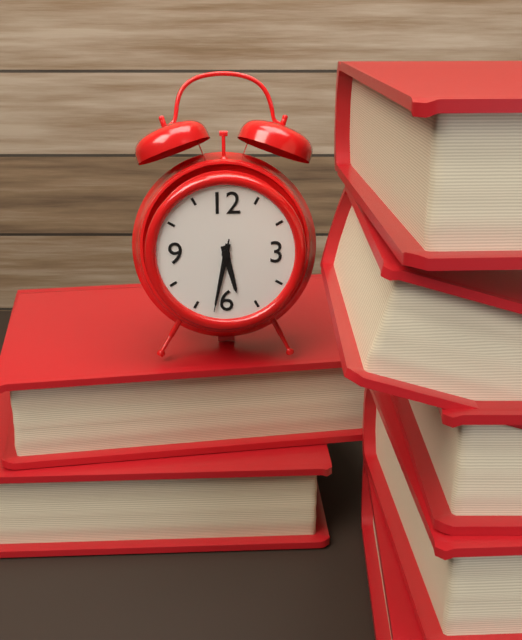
5:32:32
